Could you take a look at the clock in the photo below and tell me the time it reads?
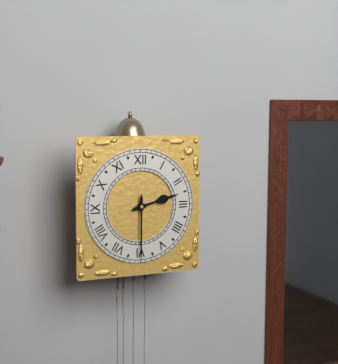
2:30
